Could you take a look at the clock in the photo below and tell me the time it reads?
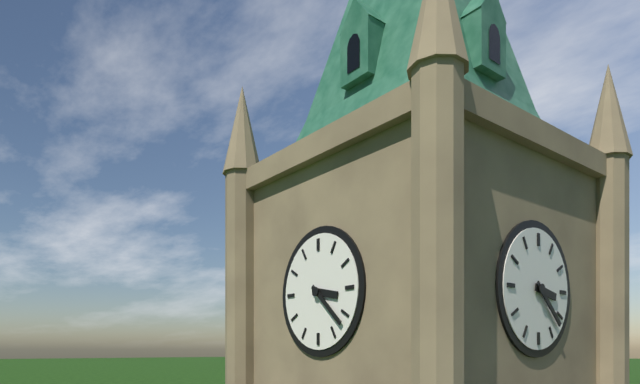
3:22
